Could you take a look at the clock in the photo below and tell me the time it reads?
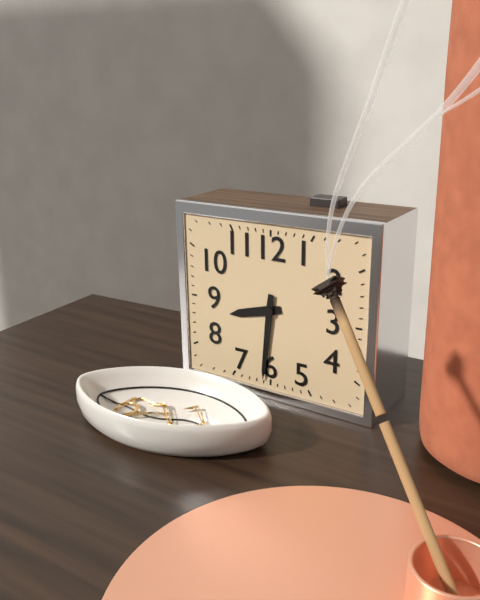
8:31
